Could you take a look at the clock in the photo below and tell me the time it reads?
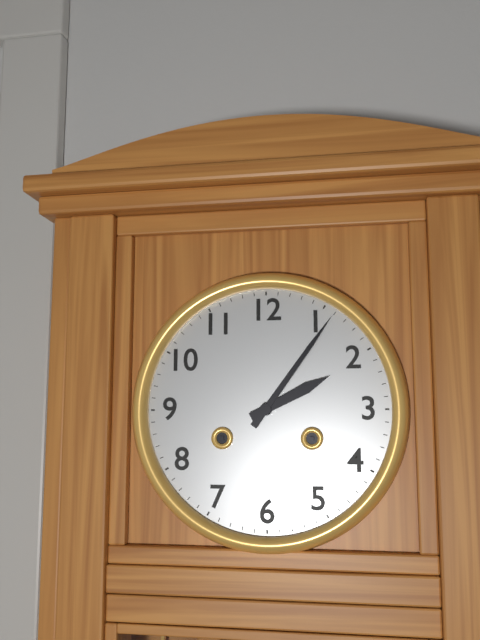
2:06
